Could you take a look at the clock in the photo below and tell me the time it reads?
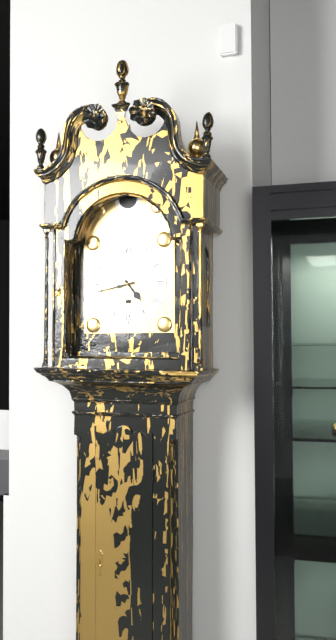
4:43
